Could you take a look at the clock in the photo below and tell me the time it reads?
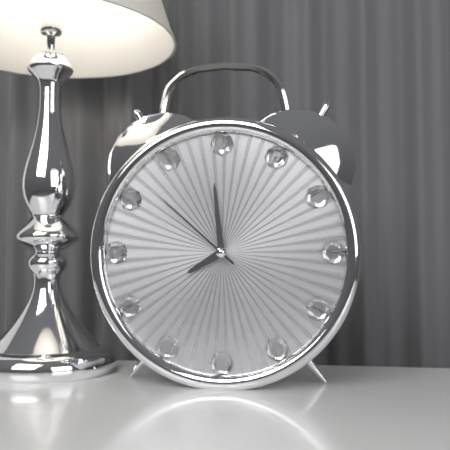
7:59:52
